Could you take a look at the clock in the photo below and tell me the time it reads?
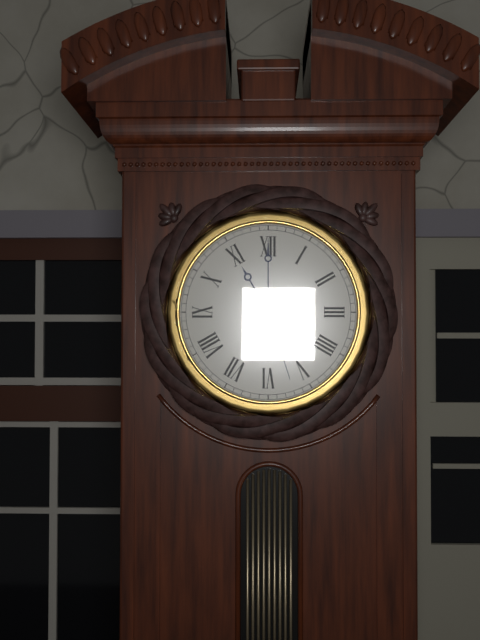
11:00:27
